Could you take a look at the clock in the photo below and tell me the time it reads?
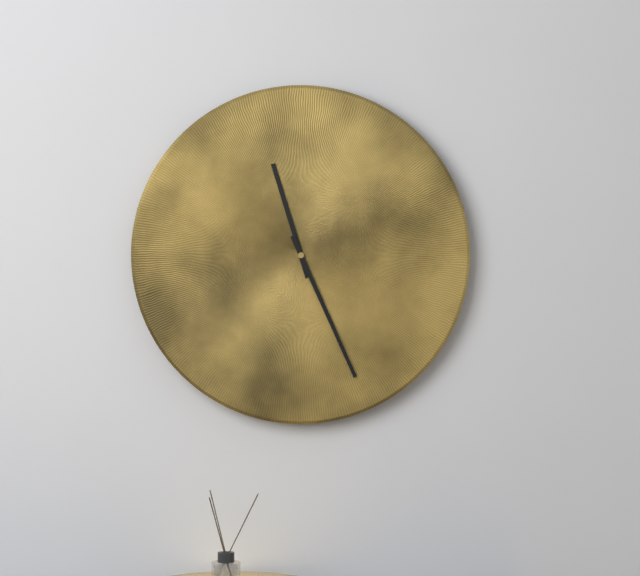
11:26
